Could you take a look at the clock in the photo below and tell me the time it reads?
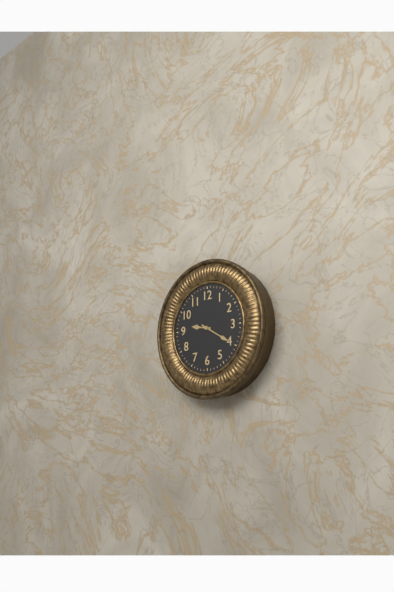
9:20
